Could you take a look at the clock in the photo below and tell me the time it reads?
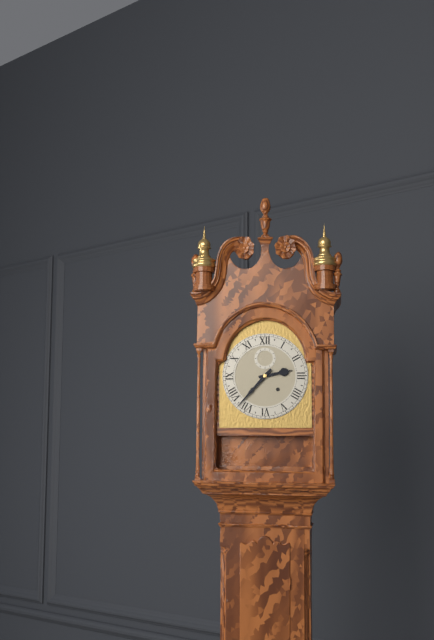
2:37
